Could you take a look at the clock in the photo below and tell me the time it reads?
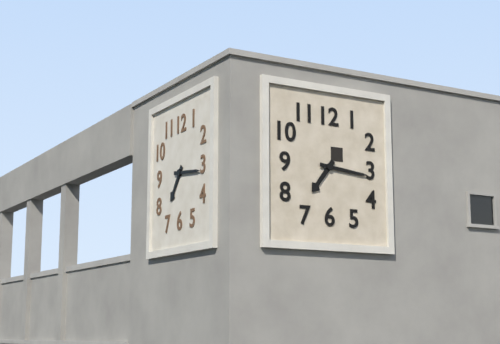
7:16
